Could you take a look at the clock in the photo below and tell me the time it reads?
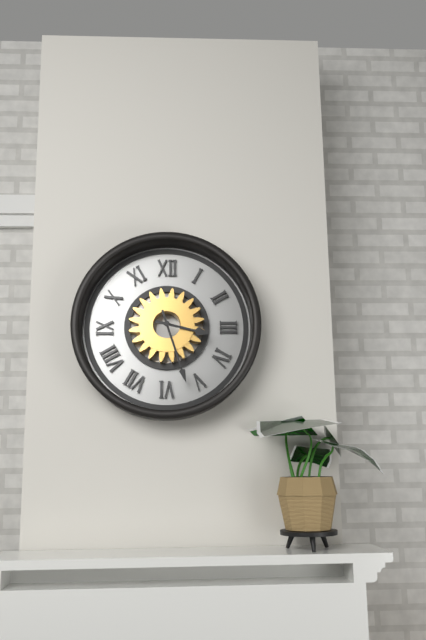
3:27
